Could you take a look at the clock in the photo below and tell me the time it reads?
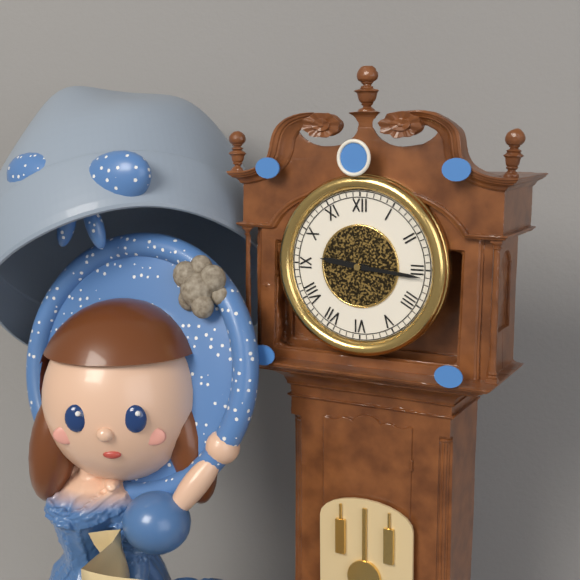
9:16
